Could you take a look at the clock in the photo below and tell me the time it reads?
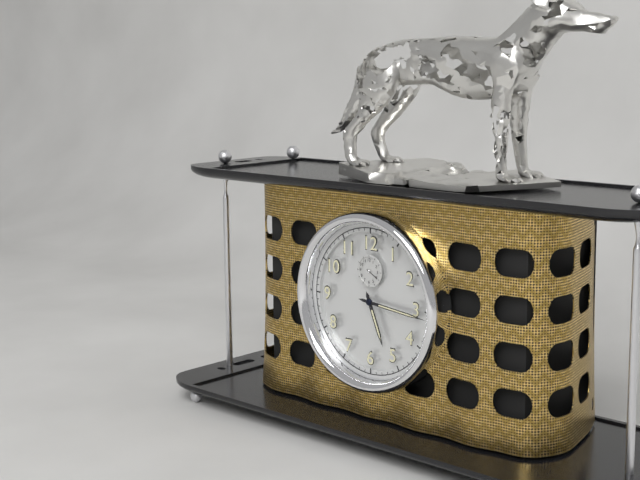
5:16
